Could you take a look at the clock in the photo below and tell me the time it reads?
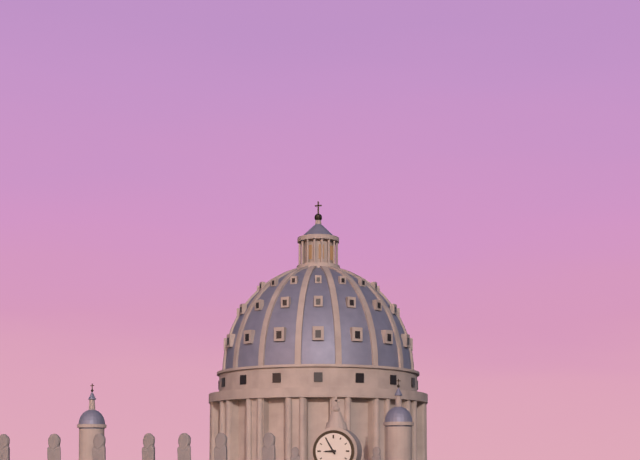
8:55
